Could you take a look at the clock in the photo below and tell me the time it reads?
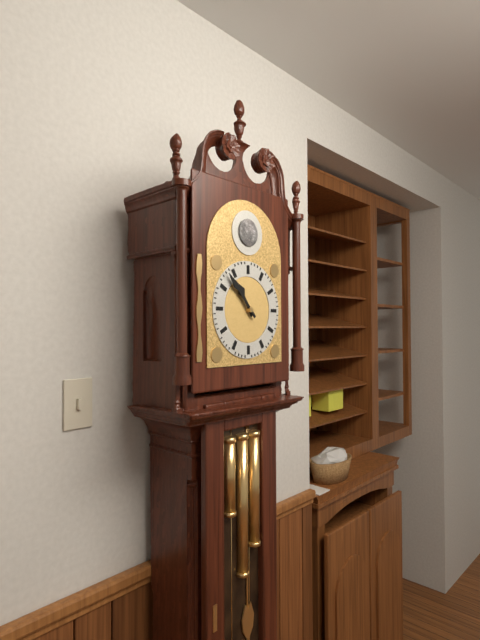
10:53
